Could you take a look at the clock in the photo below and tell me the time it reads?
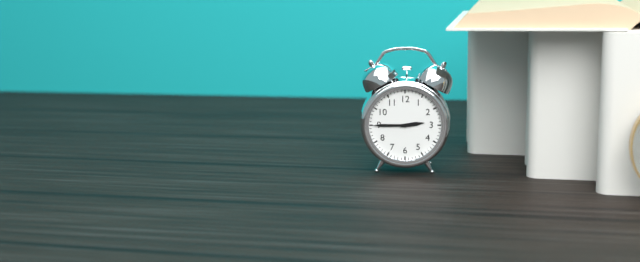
2:45
